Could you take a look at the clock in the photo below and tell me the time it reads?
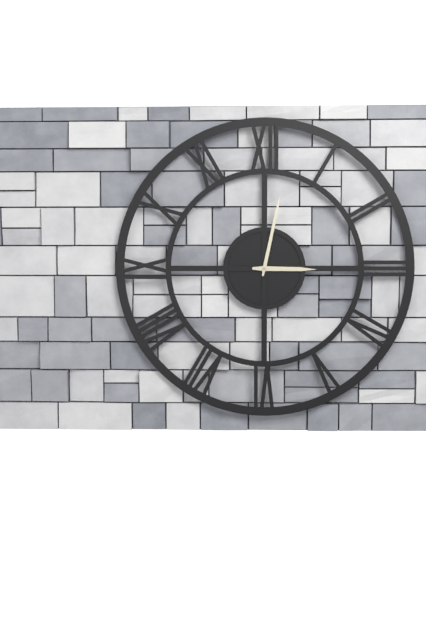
3:02
